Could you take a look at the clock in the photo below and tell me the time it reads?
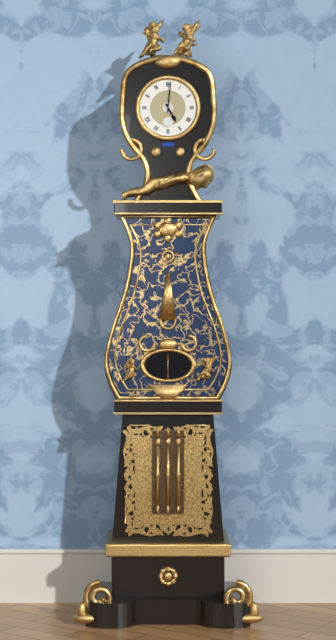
5:01
